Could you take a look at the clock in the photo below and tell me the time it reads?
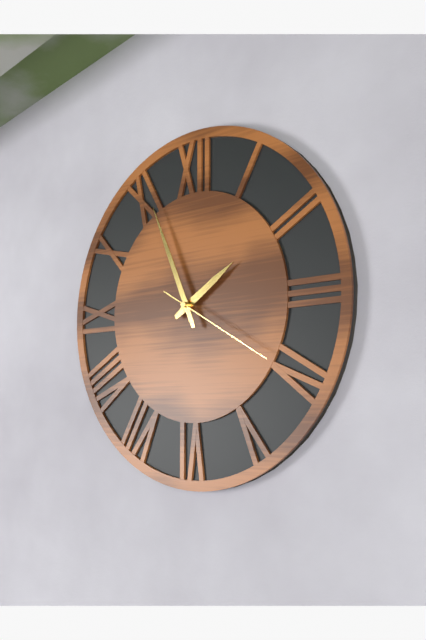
1:56:20
